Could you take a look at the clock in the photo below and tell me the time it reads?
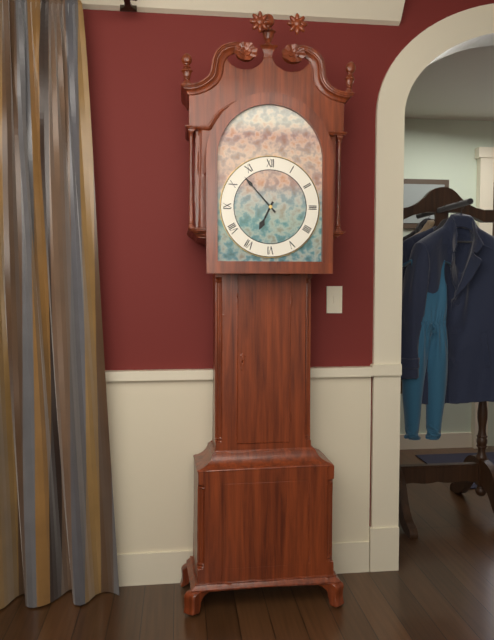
6:53
